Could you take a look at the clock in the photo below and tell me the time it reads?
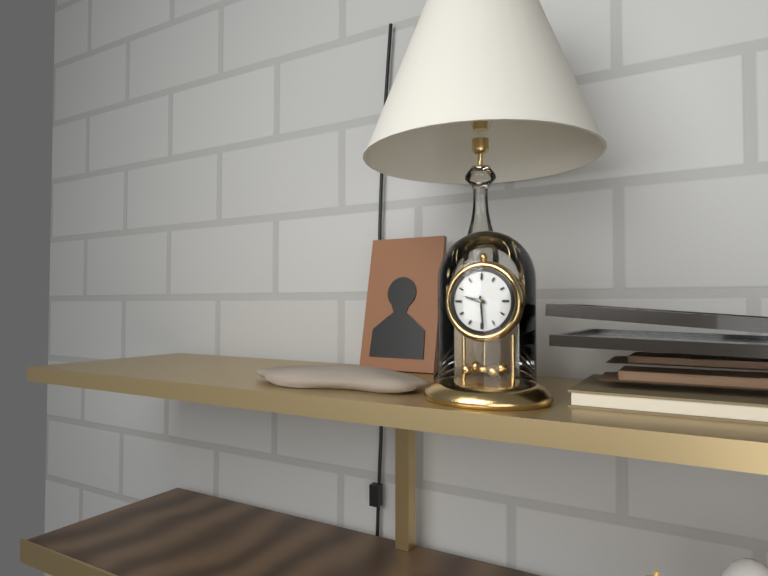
9:29
